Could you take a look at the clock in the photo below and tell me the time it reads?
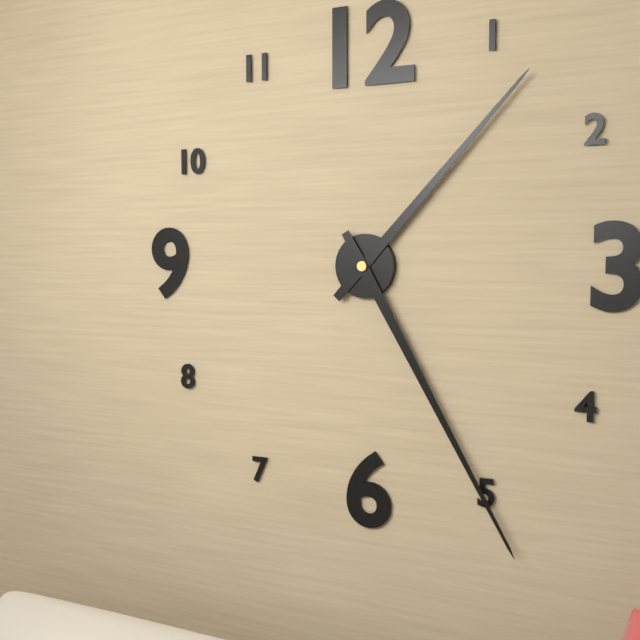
1:25
